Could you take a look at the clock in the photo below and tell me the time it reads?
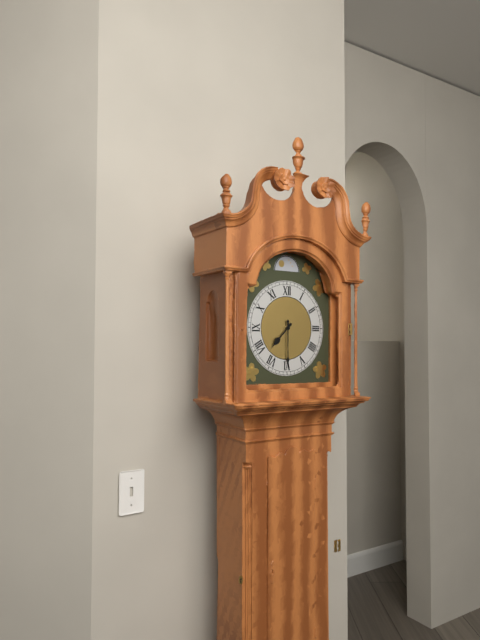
7:30
